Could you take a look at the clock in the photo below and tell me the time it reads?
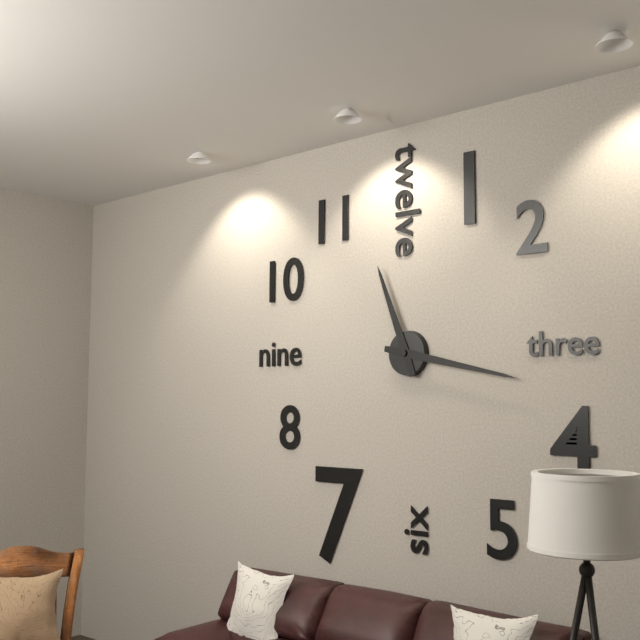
11:17
